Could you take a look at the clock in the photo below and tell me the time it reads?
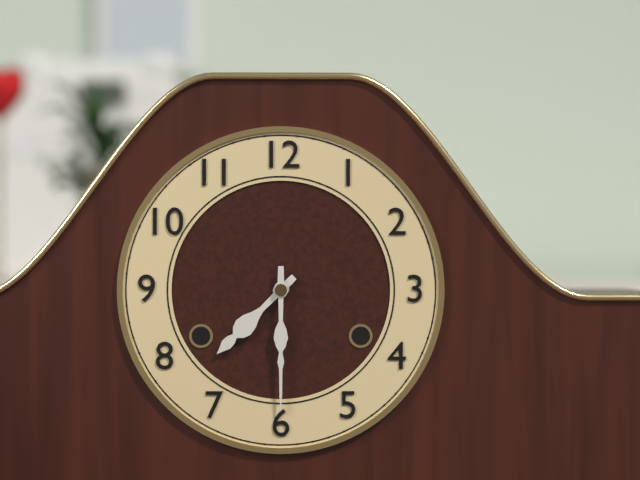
7:30
